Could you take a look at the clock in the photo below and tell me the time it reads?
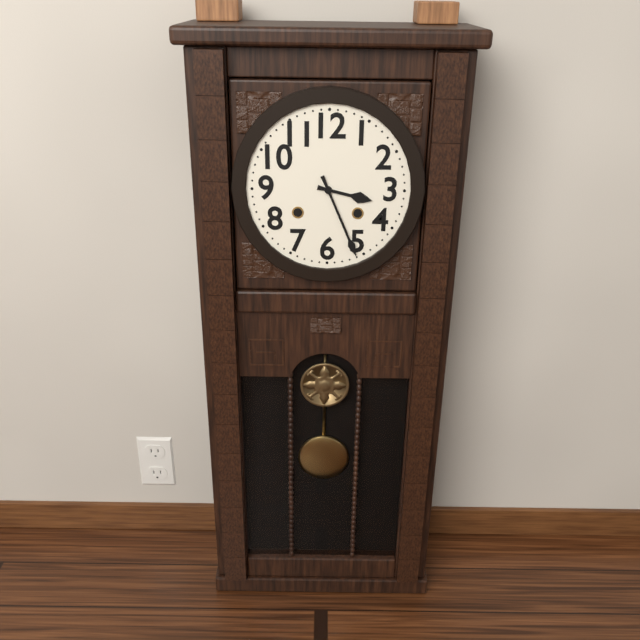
3:26
